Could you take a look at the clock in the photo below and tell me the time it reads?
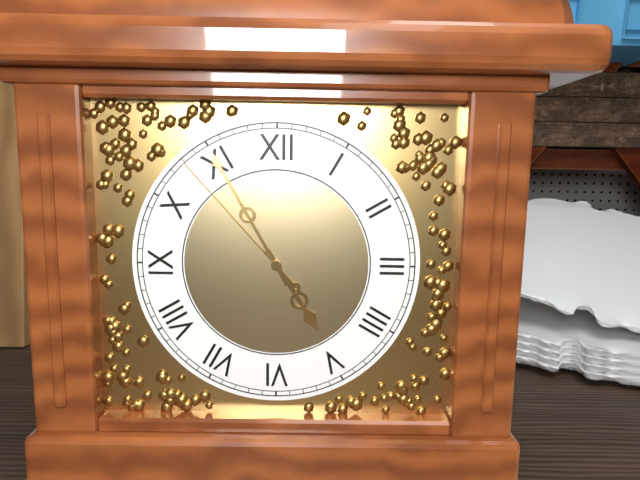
4:55:53
